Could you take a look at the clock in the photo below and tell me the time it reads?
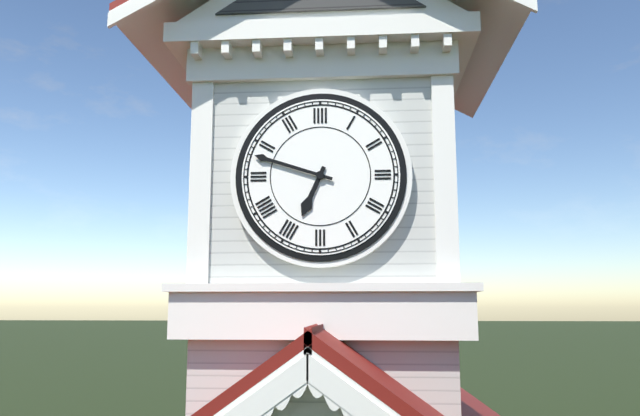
6:48
